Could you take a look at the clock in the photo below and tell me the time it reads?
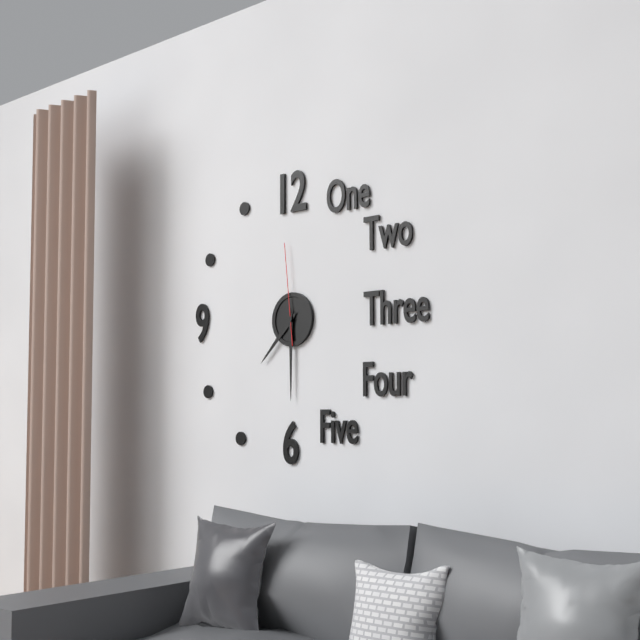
7:30:59
